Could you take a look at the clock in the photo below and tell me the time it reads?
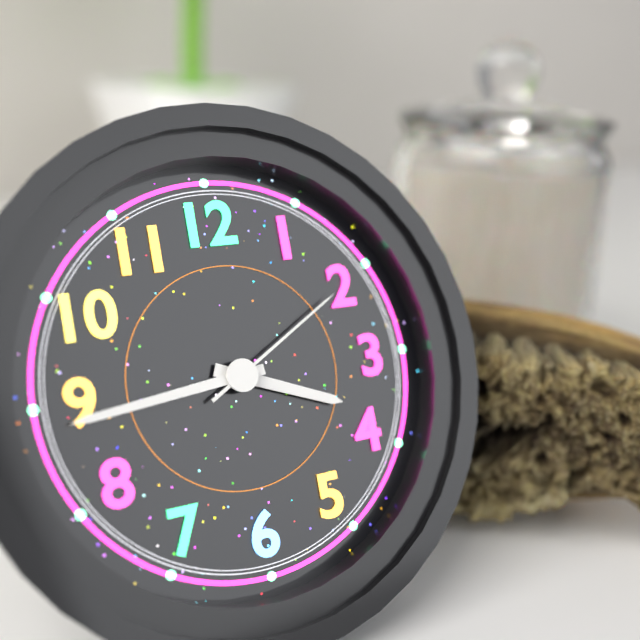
3:44:10
